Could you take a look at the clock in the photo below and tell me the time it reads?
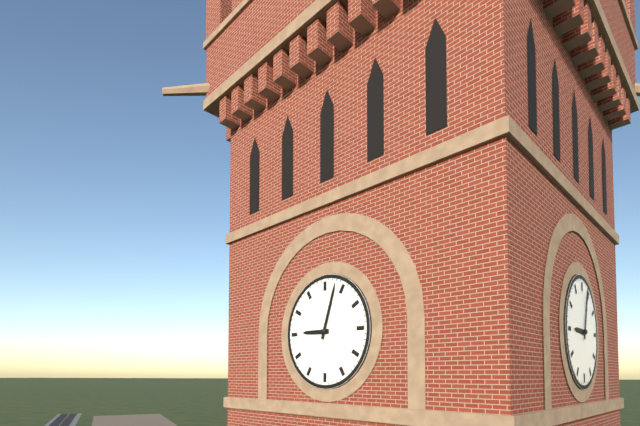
9:03
